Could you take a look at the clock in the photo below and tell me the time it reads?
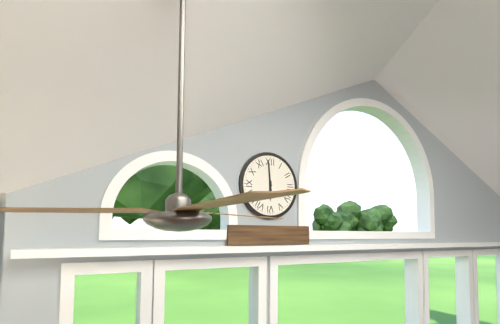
5:59
